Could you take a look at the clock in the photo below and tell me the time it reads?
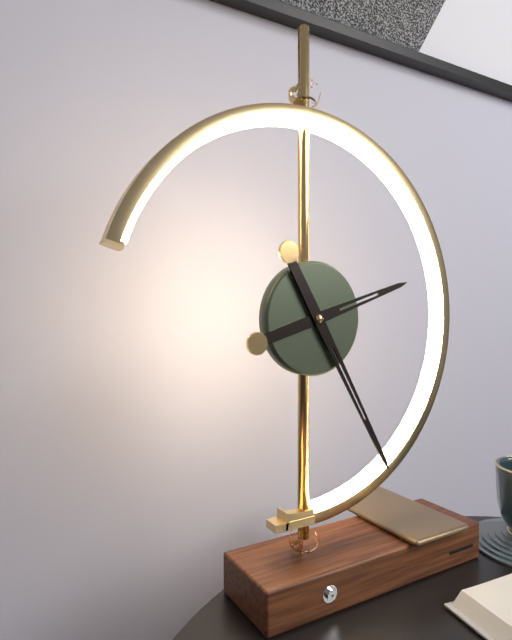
2:25
